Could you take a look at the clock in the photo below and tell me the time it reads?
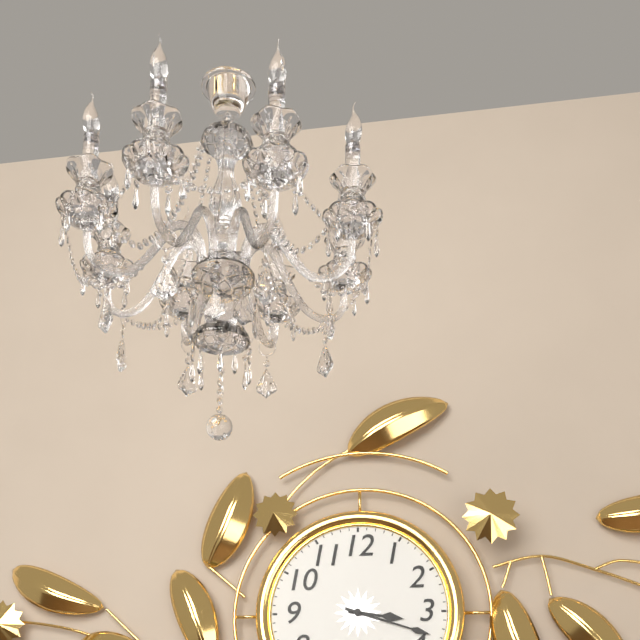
3:18
